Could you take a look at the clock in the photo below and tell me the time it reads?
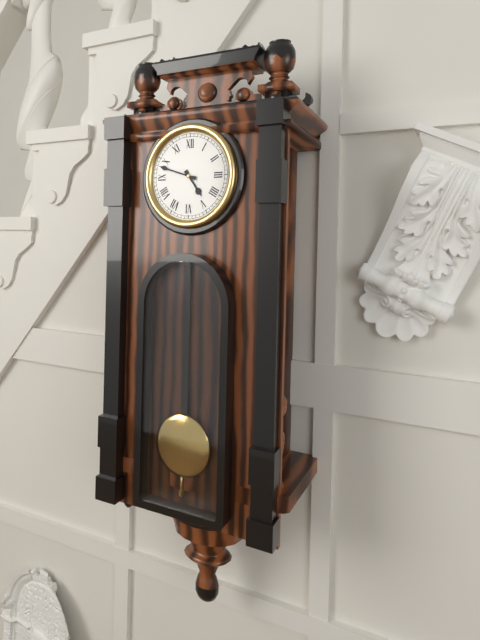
4:48
